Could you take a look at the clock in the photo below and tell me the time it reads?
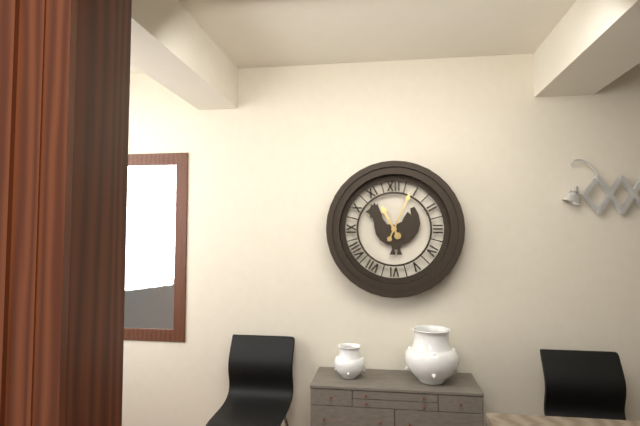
11:04
